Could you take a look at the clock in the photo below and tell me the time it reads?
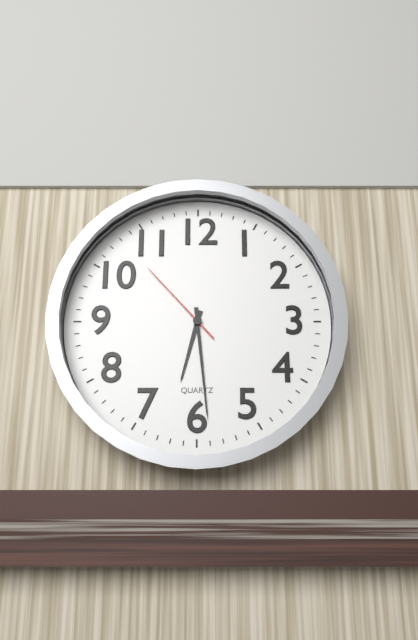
6:29:53
